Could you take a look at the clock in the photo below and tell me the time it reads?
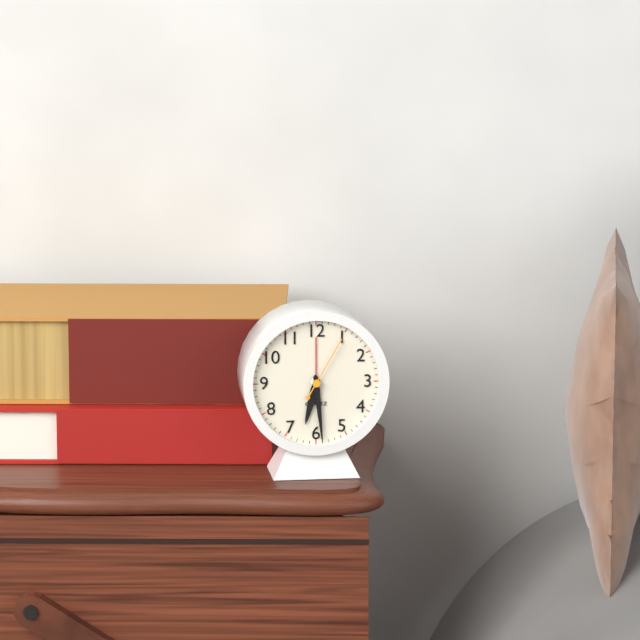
6:29:05
